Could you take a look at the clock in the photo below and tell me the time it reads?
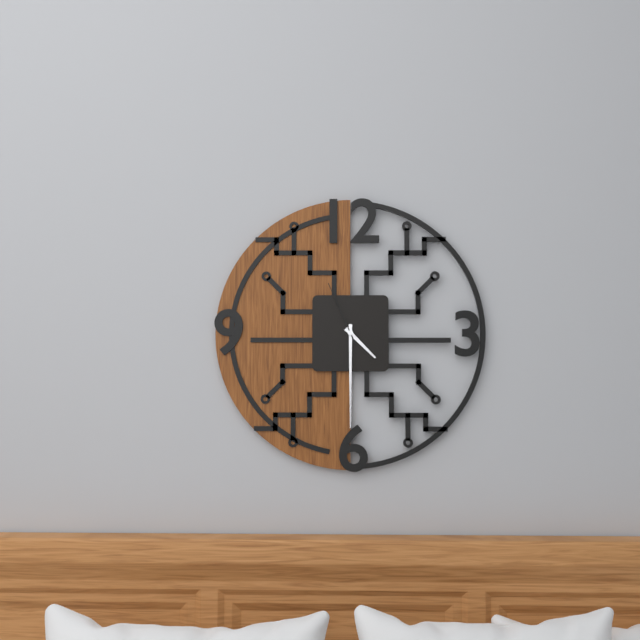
4:30:56
